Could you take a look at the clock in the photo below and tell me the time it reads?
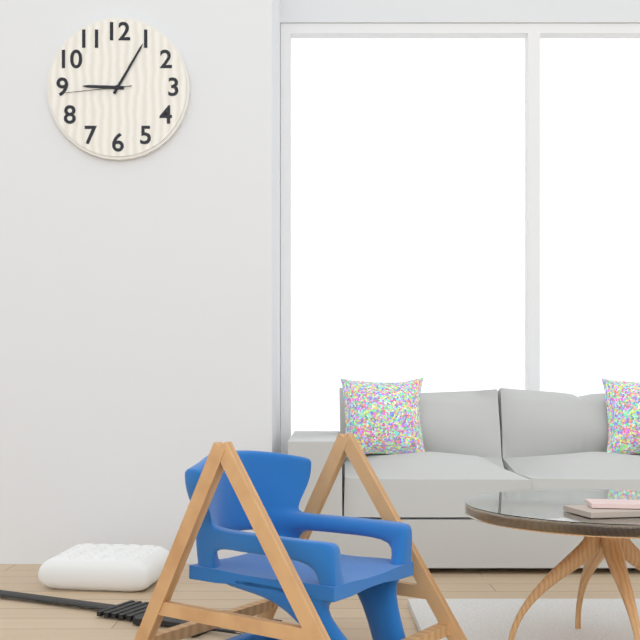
9:05:44
